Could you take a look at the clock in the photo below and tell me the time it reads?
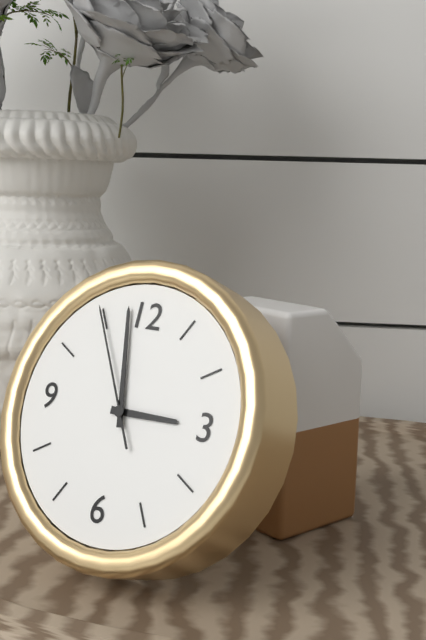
2:58:55
